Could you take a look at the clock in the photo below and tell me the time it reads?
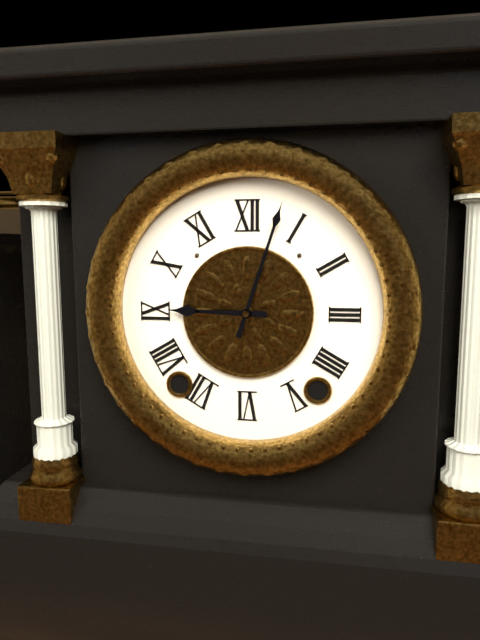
9:03
